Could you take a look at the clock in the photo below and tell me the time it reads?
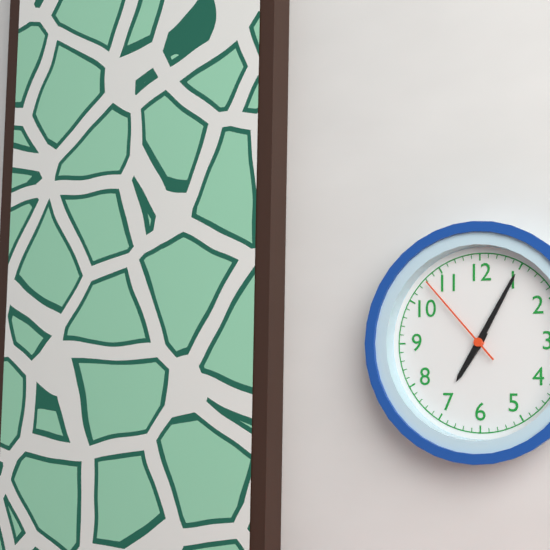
7:05:53
